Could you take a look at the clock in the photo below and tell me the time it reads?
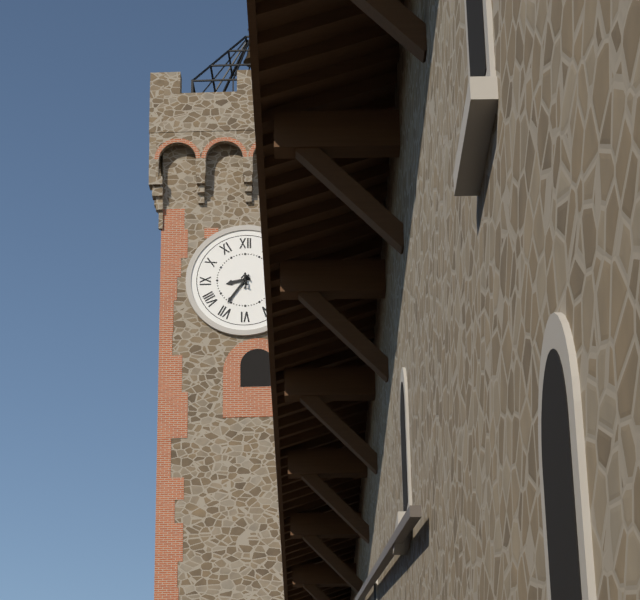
8:36
